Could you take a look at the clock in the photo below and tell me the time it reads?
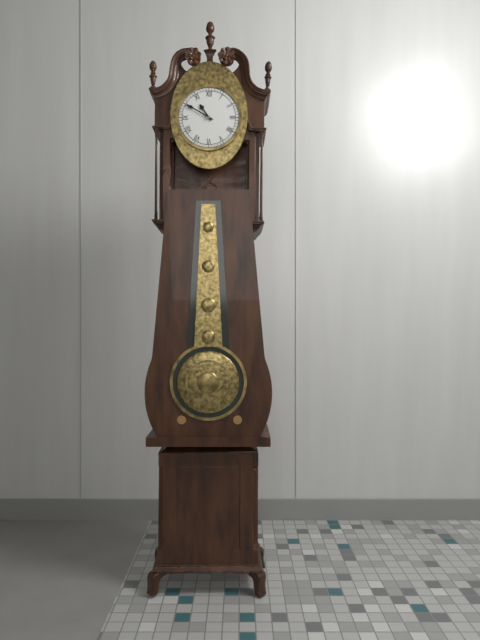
10:50
